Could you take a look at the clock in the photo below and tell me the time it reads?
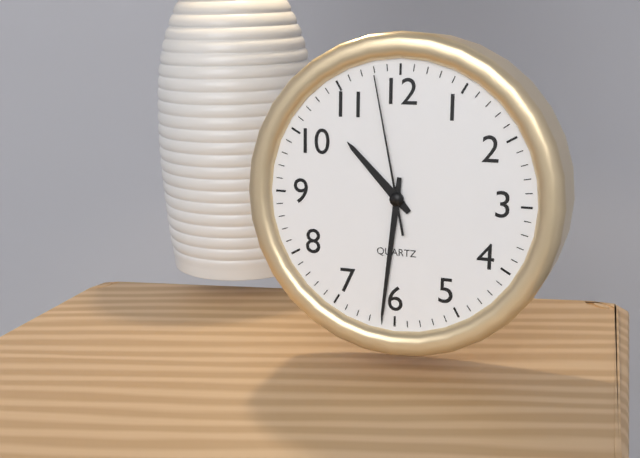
10:31:58
